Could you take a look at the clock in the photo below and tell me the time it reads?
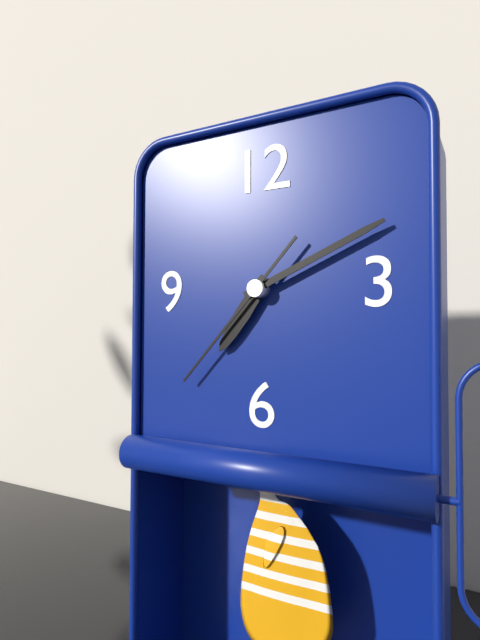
7:11:37
